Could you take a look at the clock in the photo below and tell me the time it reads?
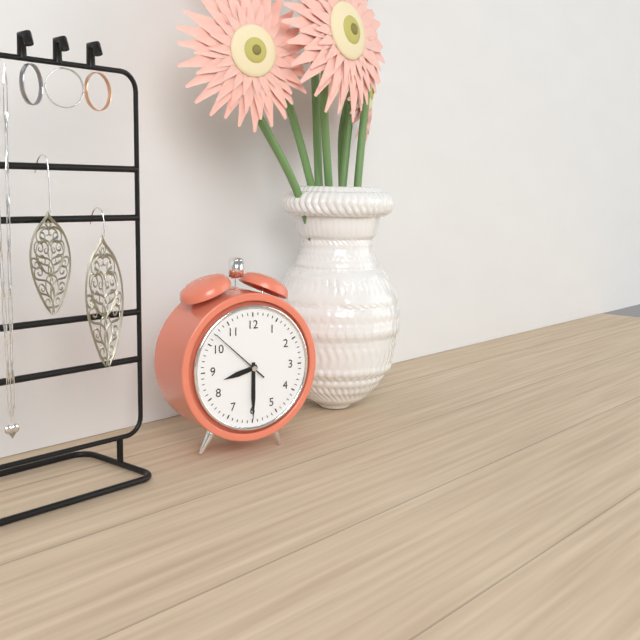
8:30:52
